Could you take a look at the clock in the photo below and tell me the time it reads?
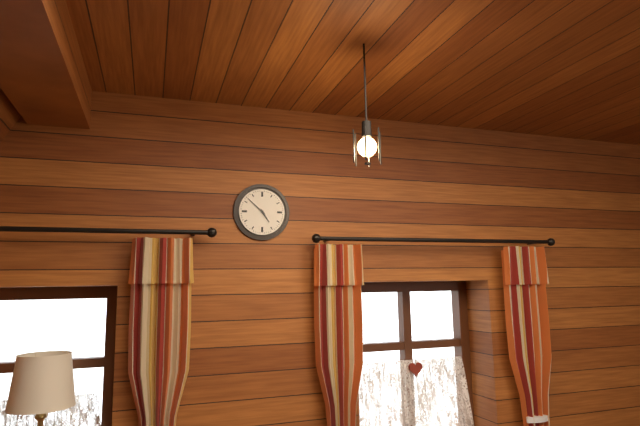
4:52
